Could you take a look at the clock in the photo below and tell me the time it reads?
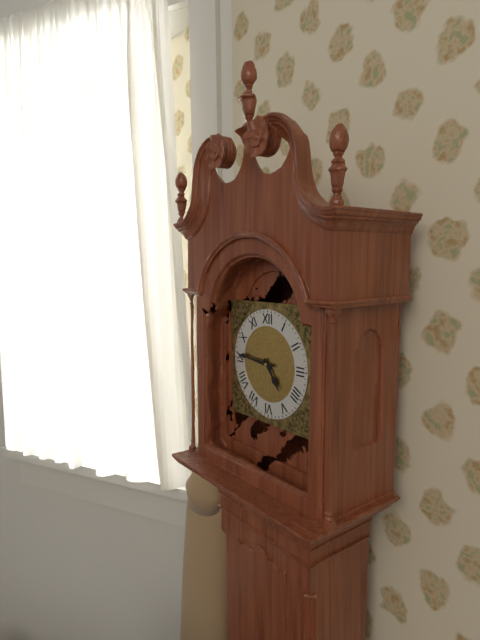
4:46
